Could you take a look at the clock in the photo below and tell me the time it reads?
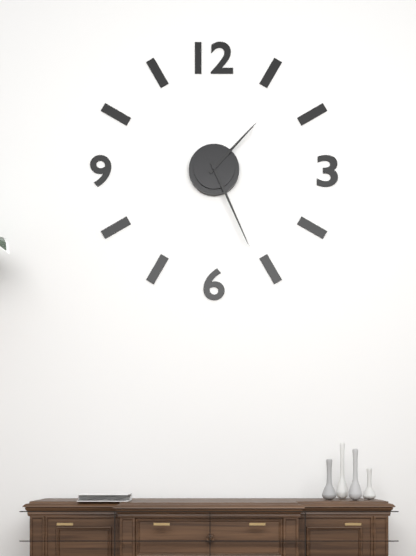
1:26
